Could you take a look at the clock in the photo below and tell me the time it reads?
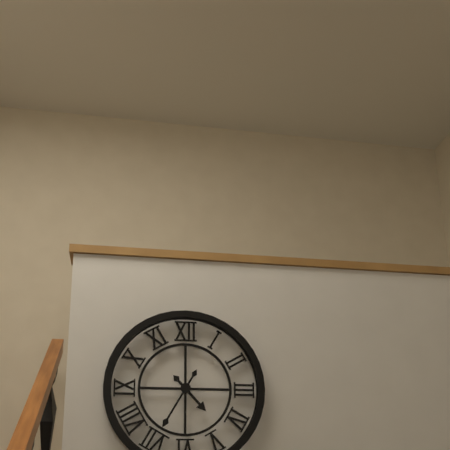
4:35
